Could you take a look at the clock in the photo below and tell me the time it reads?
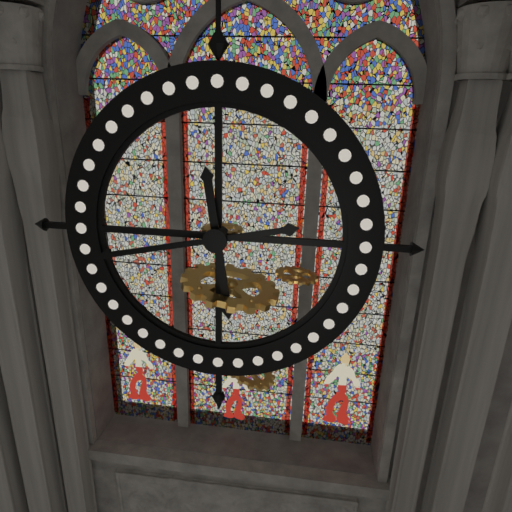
5:43
